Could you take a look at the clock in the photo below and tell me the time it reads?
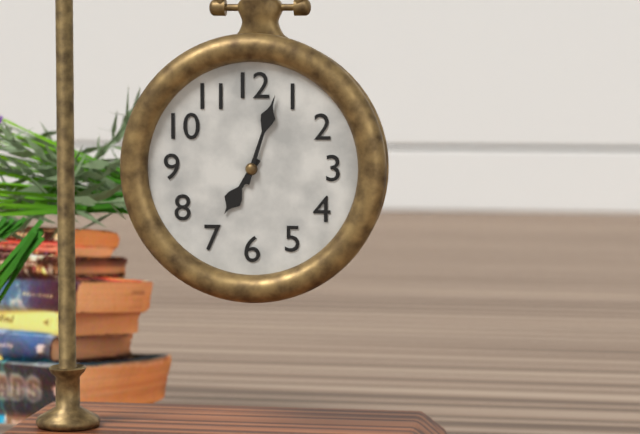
7:03
